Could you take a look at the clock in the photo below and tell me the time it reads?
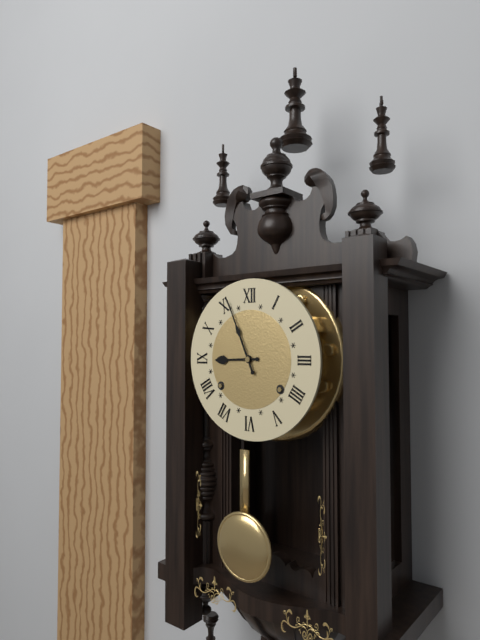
8:56
